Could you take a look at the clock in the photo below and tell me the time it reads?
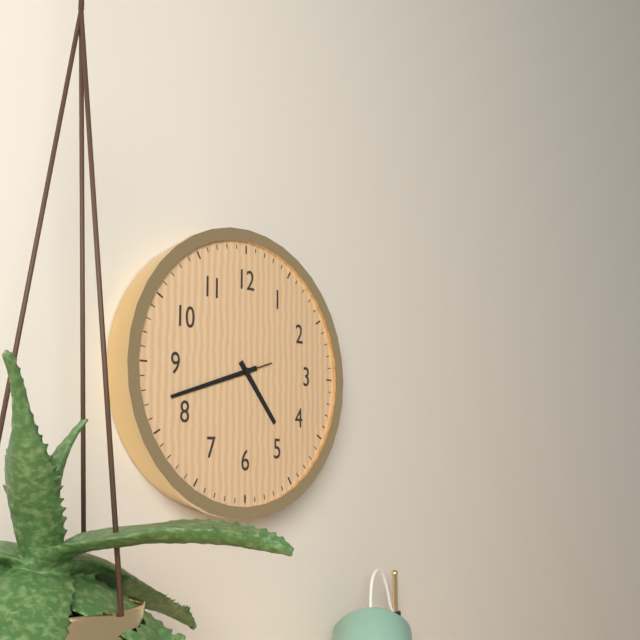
4:42:42
